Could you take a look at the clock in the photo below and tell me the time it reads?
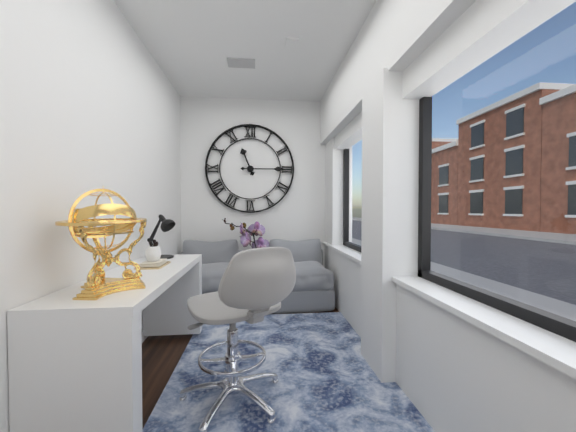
11:15
